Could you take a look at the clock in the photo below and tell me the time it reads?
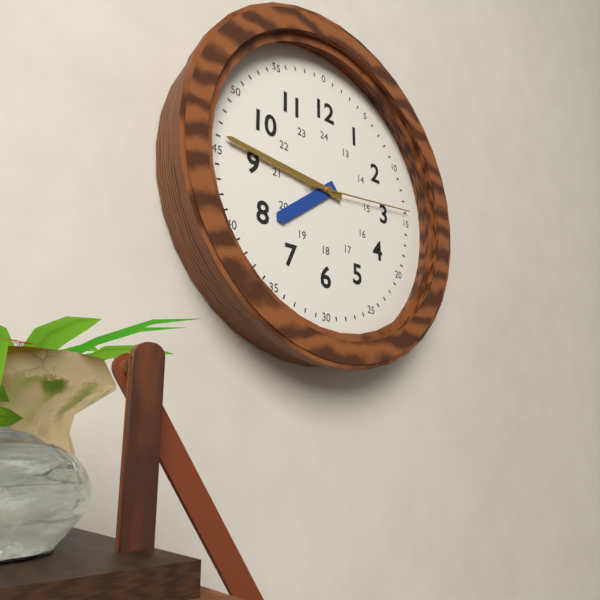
7:46:14
